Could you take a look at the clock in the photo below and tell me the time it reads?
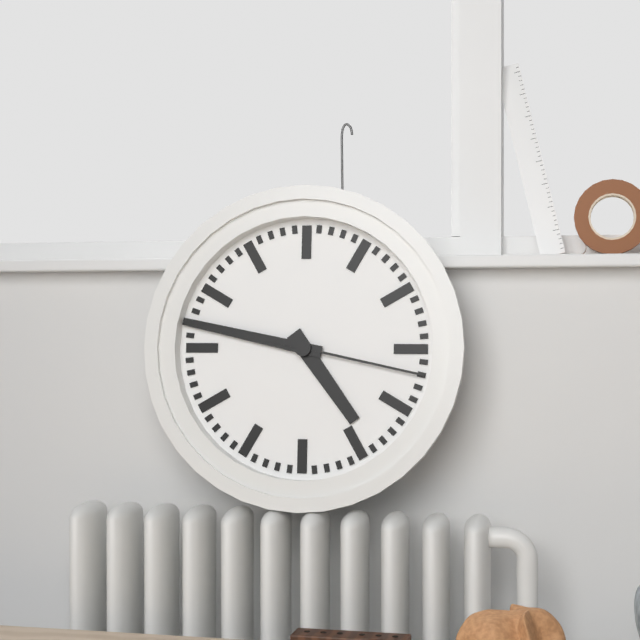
4:47:17
